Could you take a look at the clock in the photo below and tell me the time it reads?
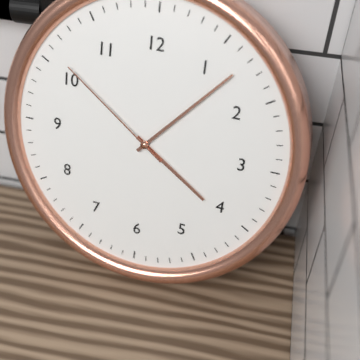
4:07:51
